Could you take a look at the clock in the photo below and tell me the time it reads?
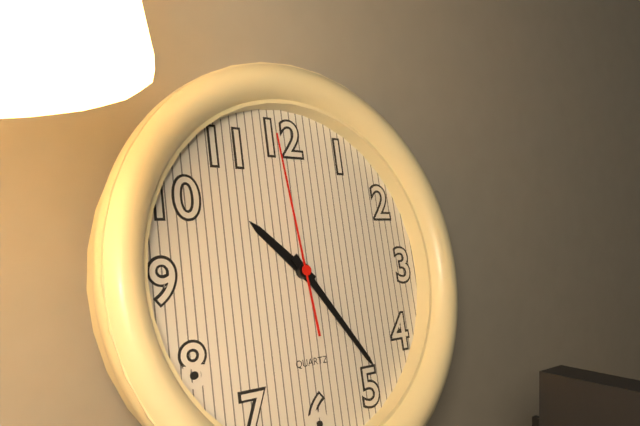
10:24:59
